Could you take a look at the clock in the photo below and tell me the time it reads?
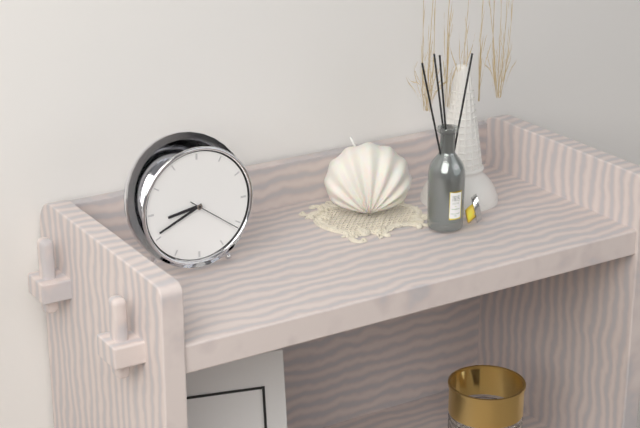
8:41:21
